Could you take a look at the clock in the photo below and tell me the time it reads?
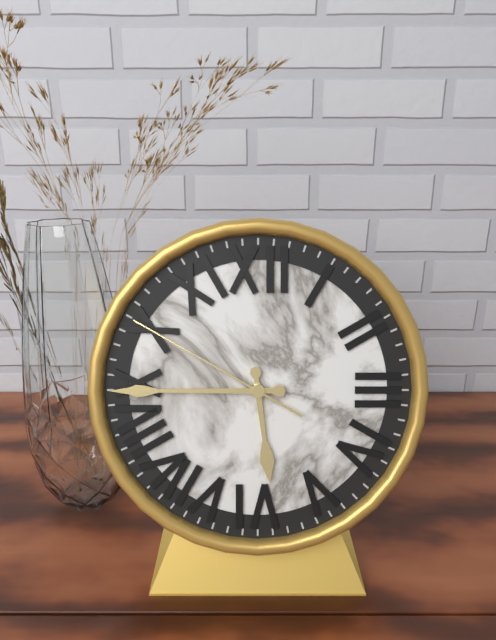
5:45:50
